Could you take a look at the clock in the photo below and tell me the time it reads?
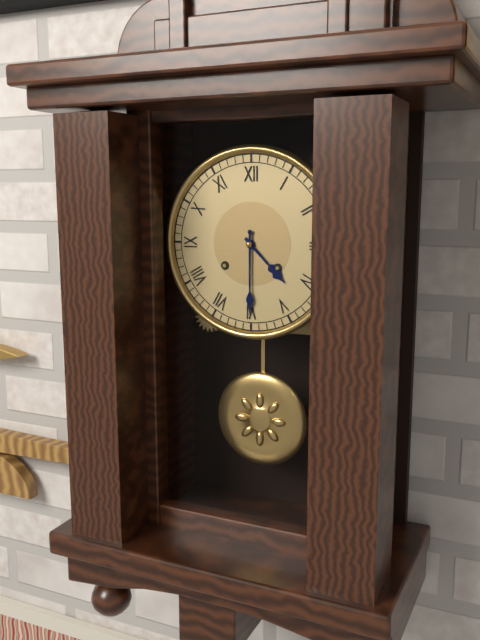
4:30
